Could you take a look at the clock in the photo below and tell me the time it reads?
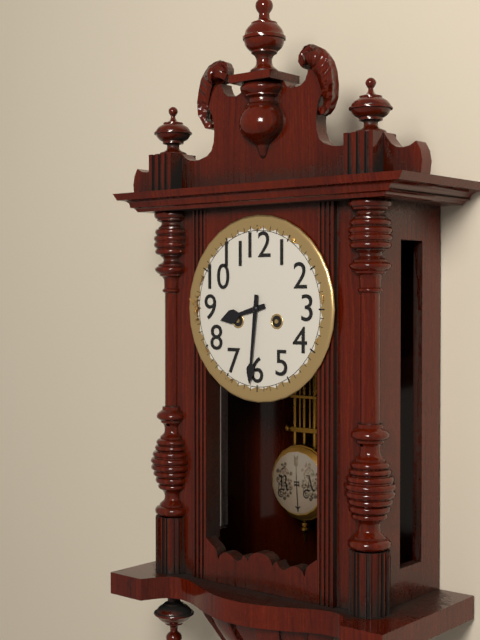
8:31
